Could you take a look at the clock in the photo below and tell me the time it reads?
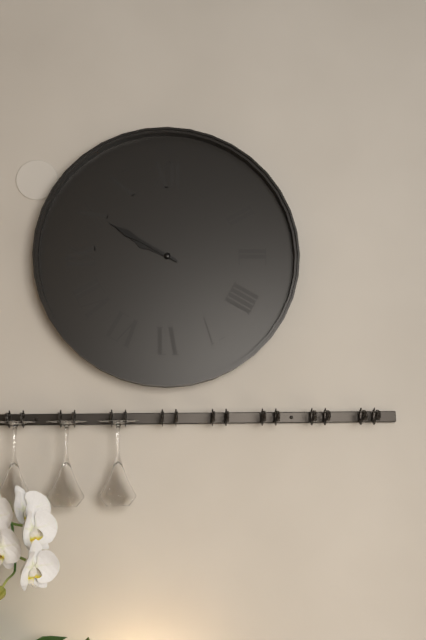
9:50
